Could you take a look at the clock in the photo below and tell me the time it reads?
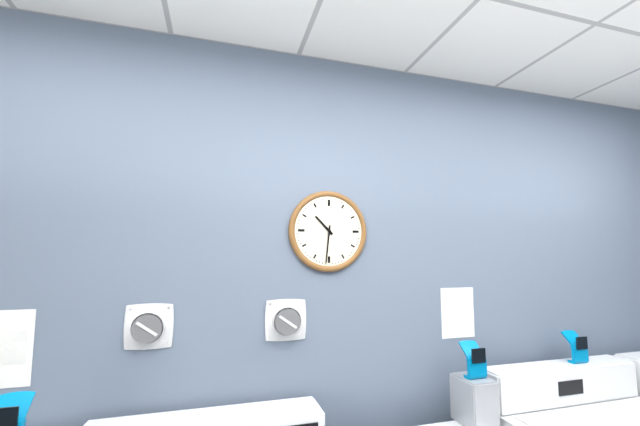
10:31
